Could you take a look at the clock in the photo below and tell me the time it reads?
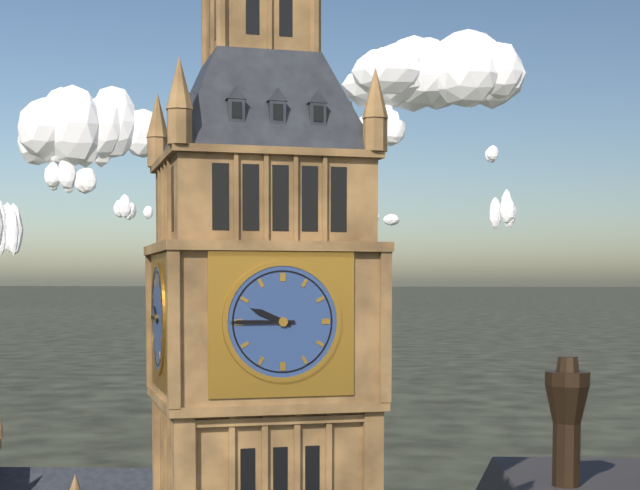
9:45
